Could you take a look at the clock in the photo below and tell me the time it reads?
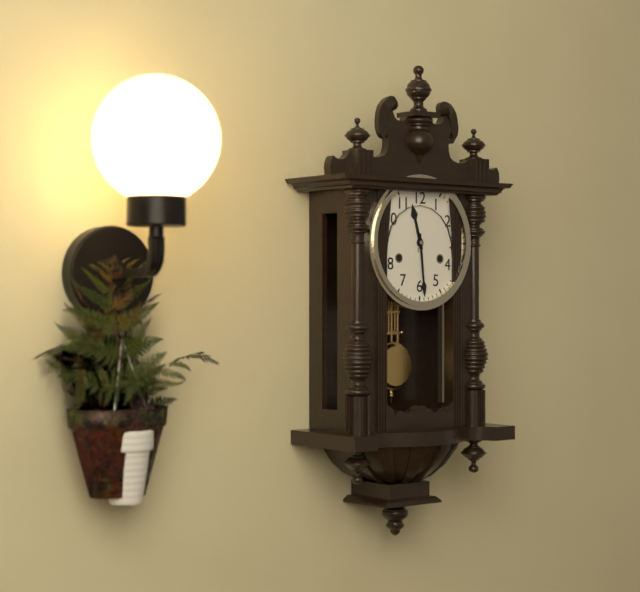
11:29
